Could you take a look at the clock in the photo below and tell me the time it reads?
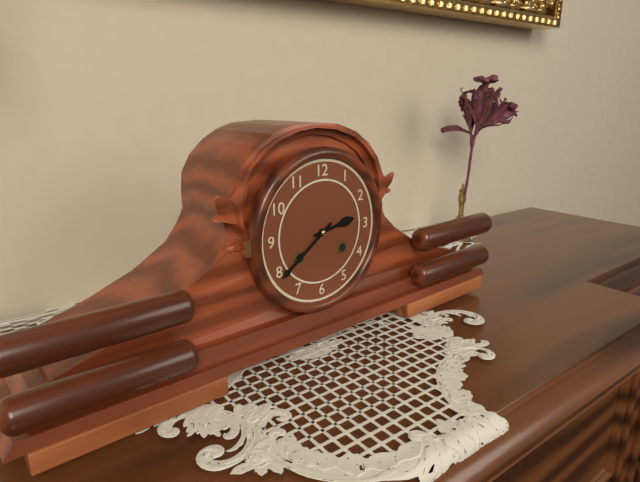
2:39
